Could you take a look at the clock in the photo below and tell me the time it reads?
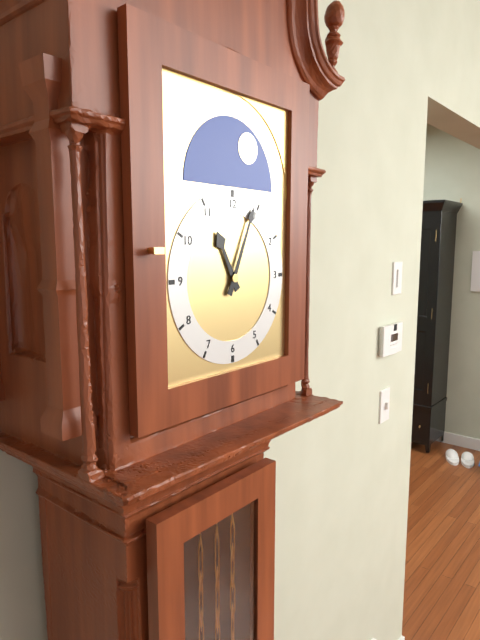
11:04
